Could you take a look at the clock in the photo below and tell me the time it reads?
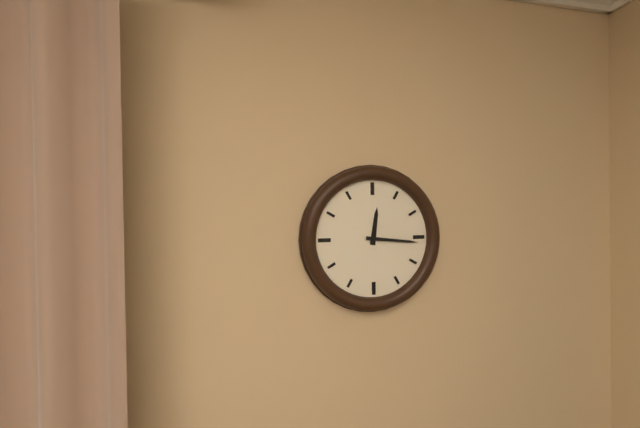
12:16
